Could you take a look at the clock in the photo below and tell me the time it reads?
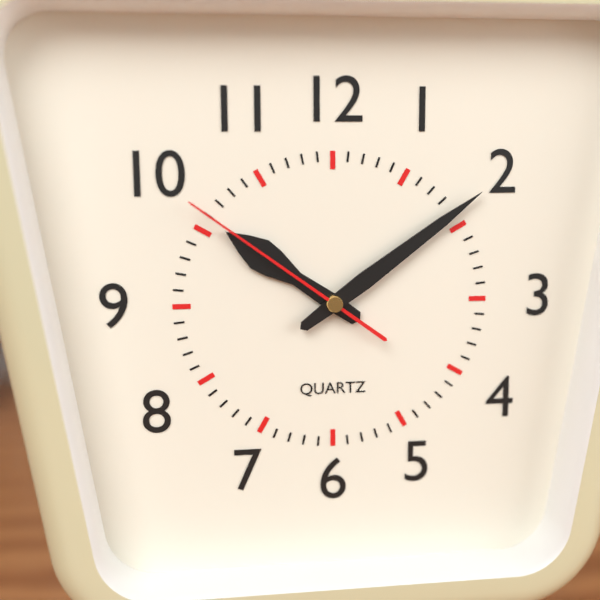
10:09:51
